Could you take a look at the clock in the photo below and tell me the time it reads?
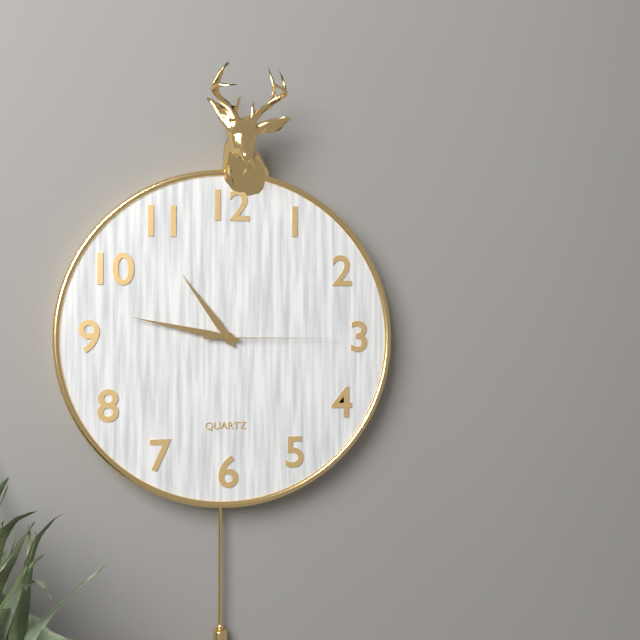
10:47:15
